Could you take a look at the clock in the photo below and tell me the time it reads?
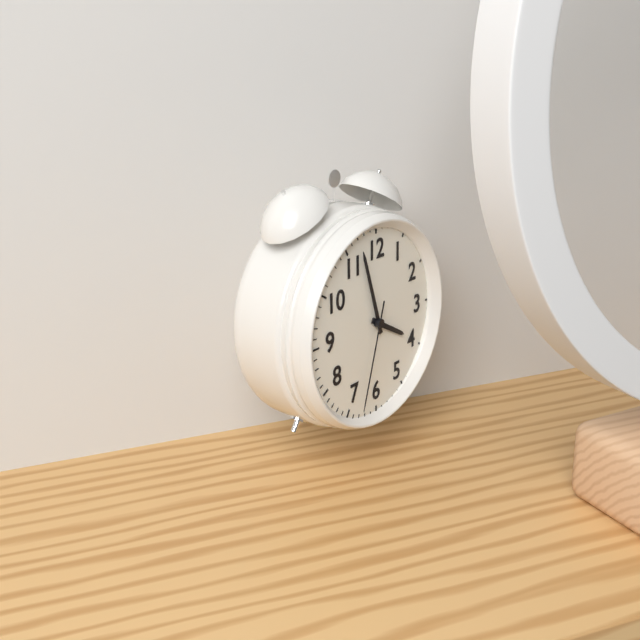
3:57:33
